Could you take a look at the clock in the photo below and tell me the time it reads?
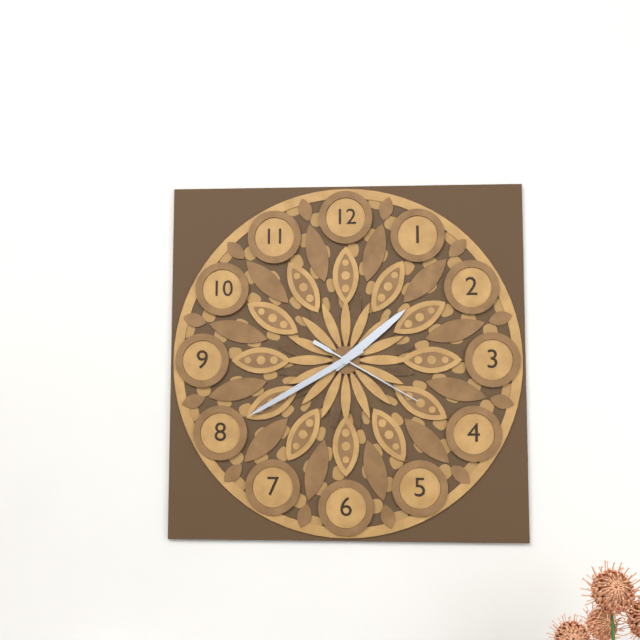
1:40:20
